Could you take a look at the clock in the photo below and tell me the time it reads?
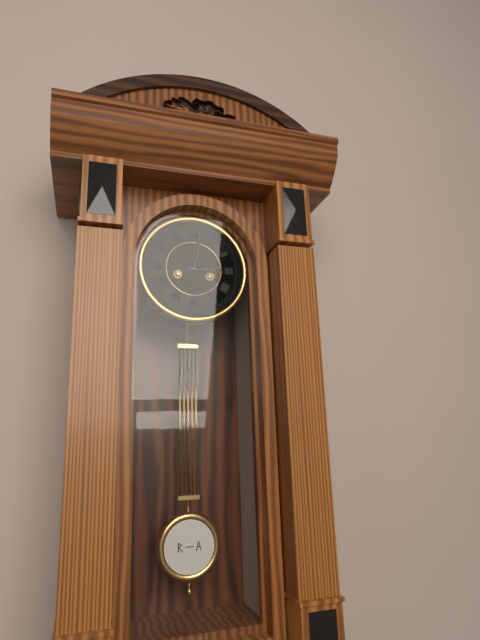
3:02
